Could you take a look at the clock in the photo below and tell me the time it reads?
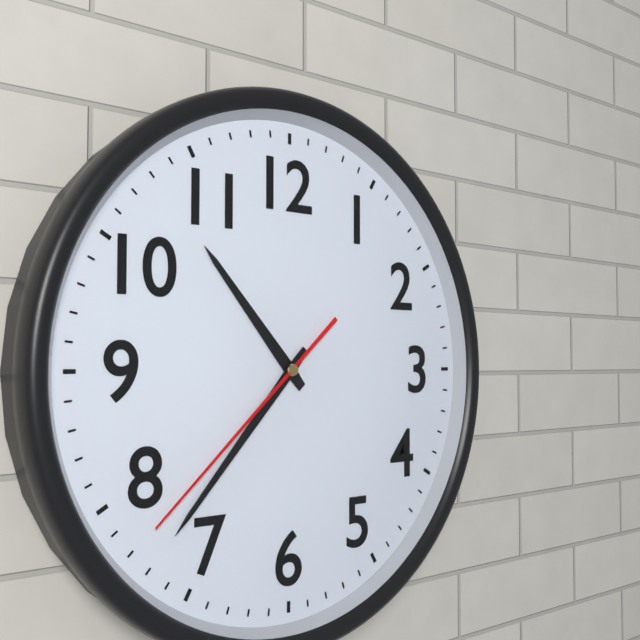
10:37:38
